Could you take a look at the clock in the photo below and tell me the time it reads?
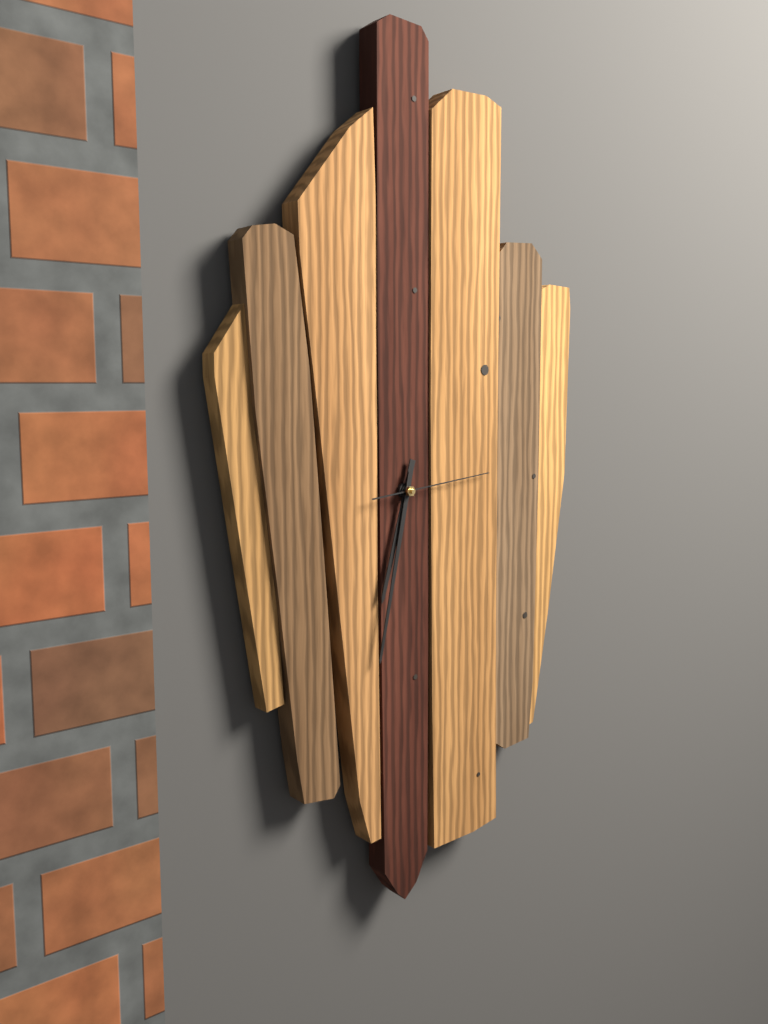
6:32:14
